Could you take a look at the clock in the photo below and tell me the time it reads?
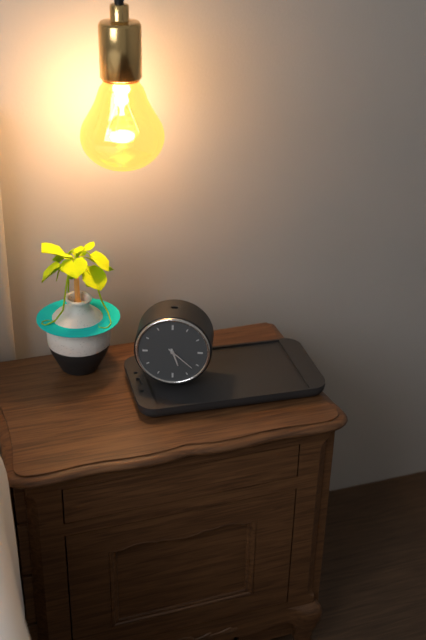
5:22
